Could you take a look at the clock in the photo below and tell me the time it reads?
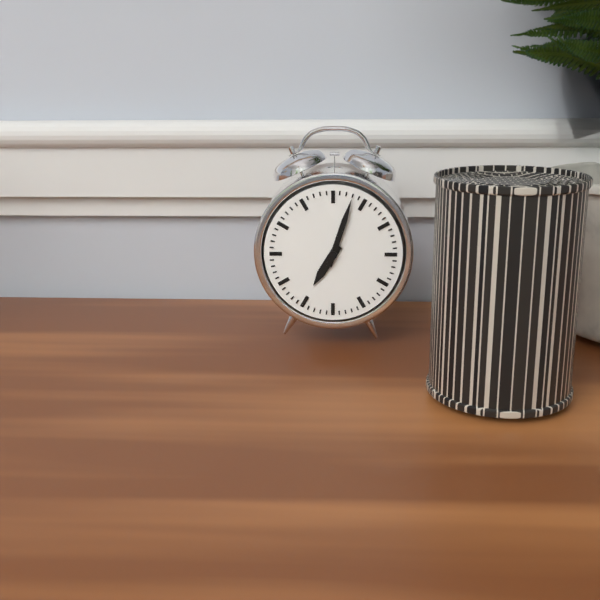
7:03
